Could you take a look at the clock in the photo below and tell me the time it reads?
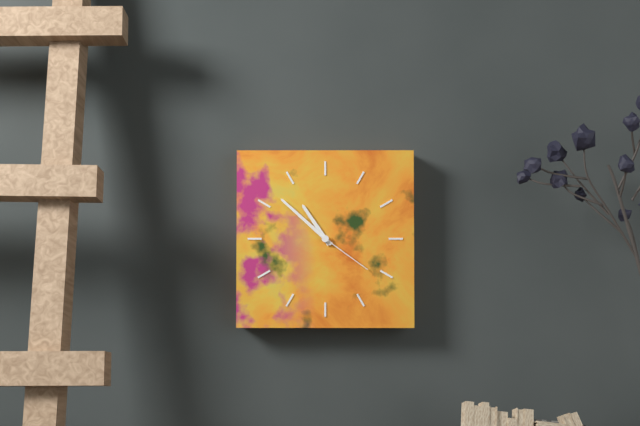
10:52:21
